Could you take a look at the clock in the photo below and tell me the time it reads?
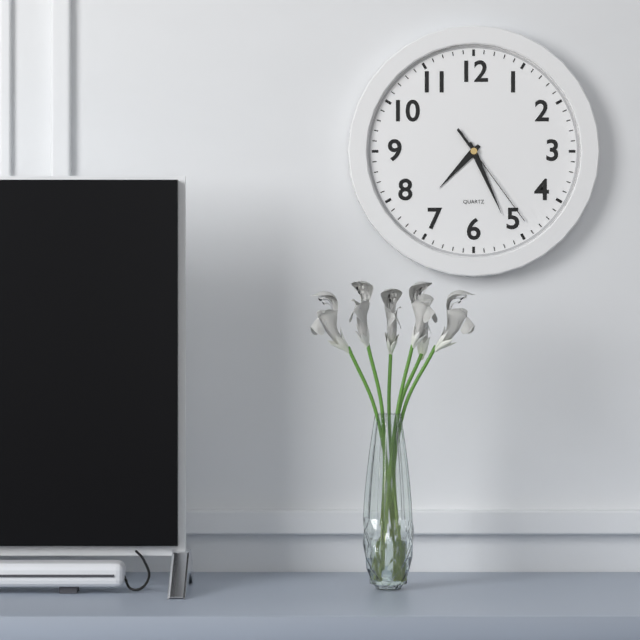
7:26:24
